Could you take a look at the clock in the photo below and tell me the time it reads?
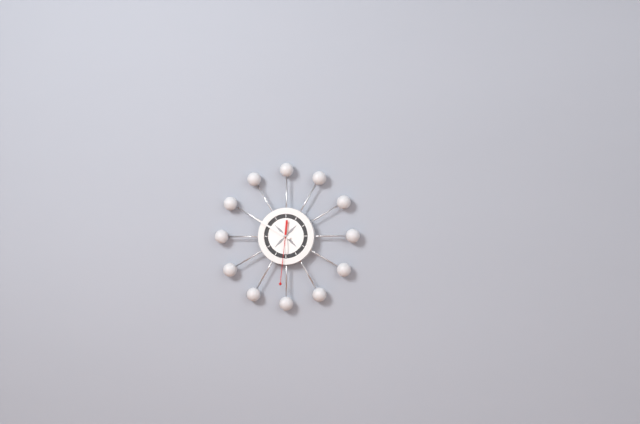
5:50:31
